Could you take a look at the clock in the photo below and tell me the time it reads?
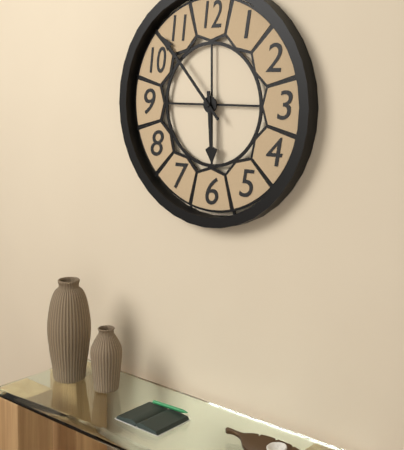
5:53
